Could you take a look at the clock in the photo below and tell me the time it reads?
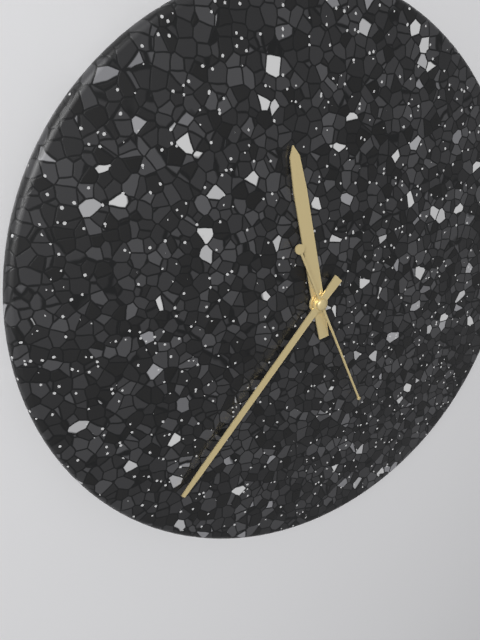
11:37:26
